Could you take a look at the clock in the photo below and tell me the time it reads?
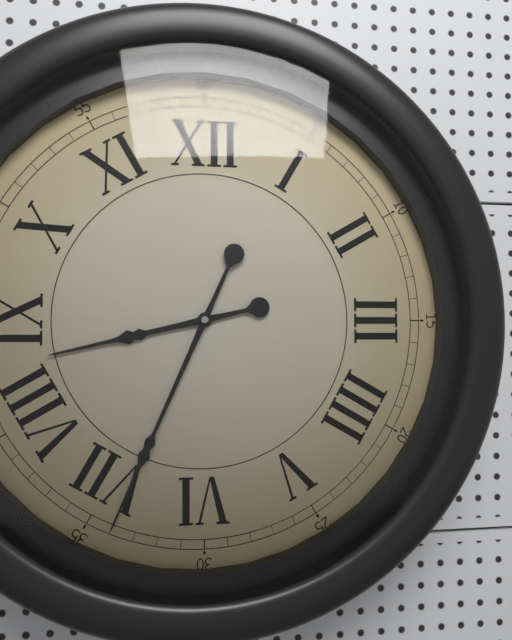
8:34
